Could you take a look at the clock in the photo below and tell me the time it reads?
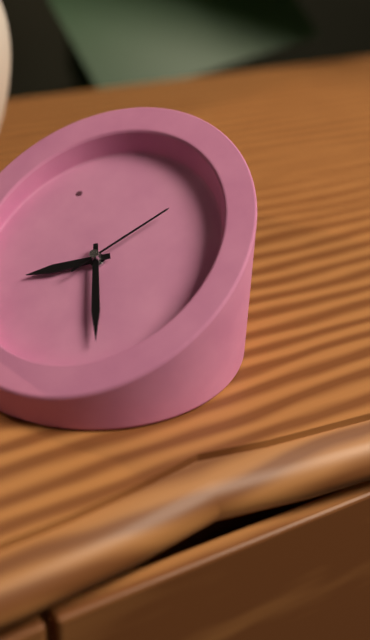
10:39:19
